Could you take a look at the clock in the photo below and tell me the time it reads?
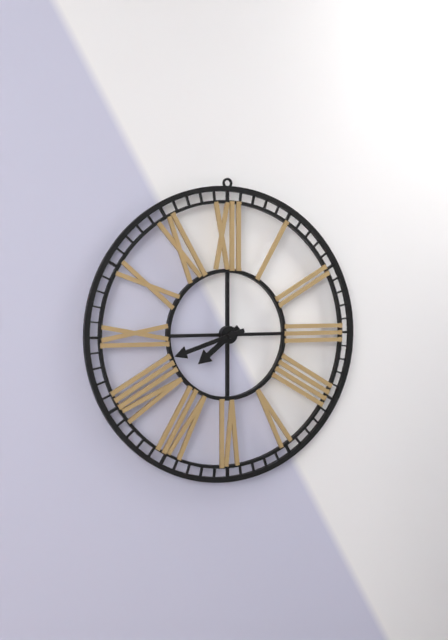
7:42
